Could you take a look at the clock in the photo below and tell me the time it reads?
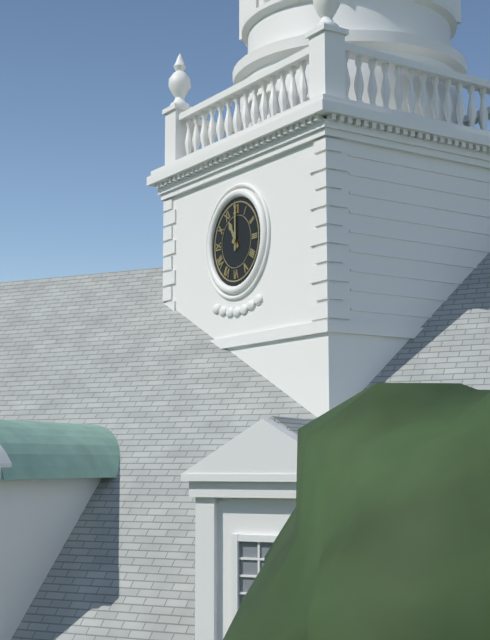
11:00
